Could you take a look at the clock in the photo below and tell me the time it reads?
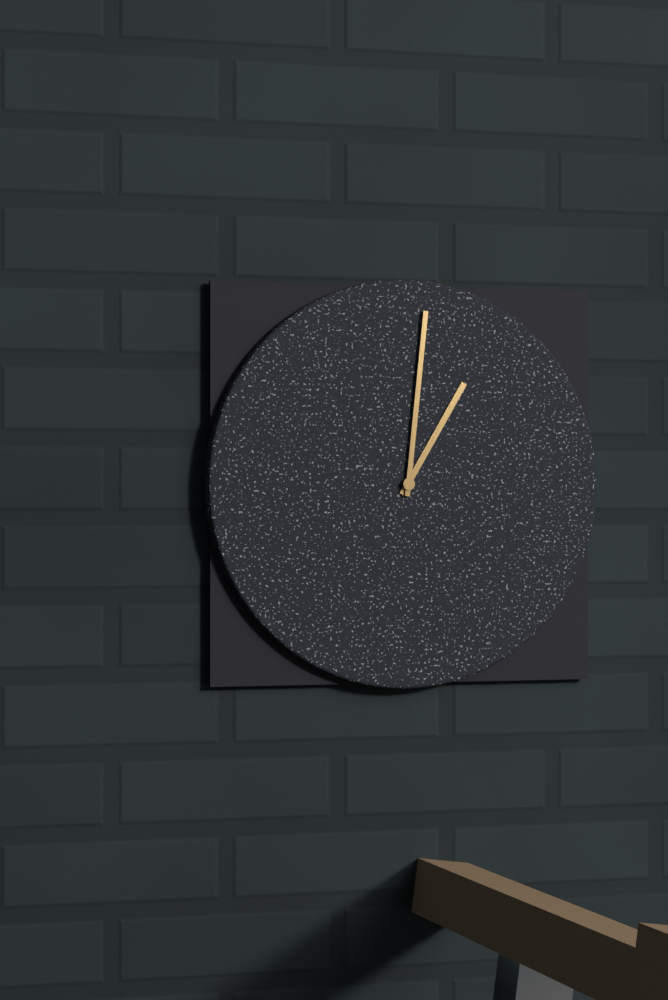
1:01
